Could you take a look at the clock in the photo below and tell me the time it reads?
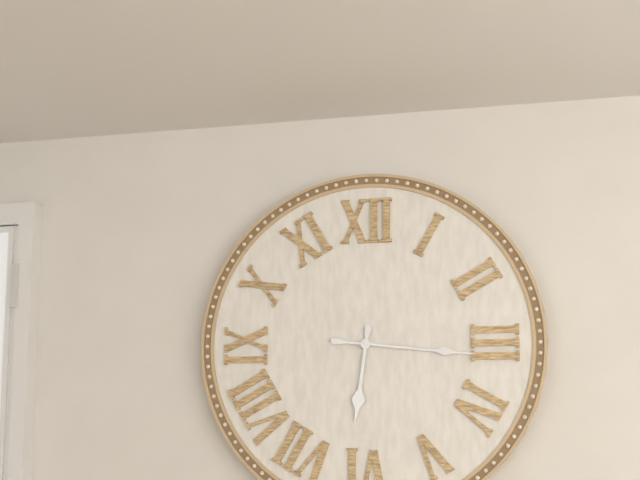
6:16
